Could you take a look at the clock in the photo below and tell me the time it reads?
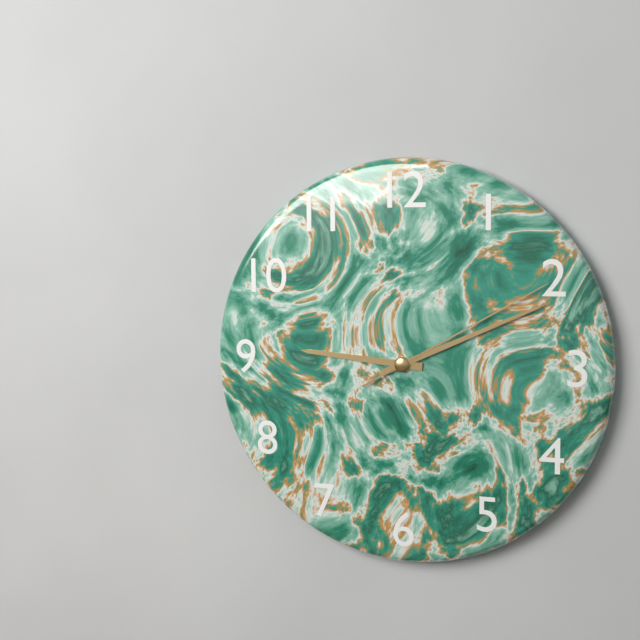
9:11:10
